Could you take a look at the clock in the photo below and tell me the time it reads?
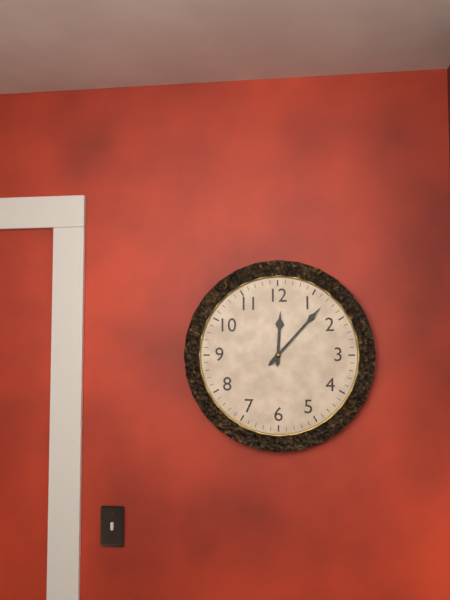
12:07
